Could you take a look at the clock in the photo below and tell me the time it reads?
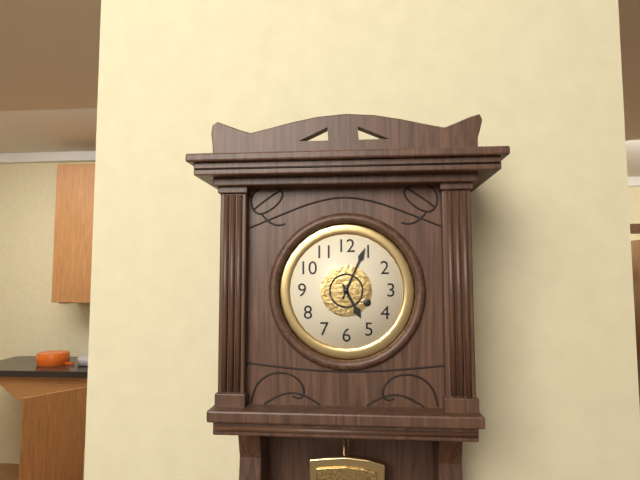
5:04
